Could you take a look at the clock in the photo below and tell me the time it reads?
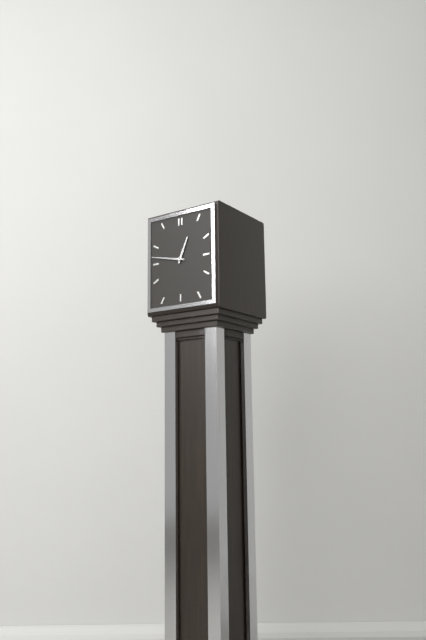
12:47
